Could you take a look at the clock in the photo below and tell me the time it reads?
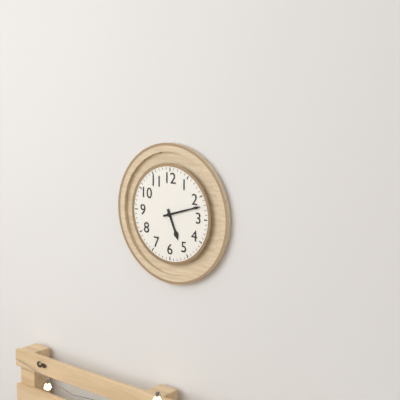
5:12
